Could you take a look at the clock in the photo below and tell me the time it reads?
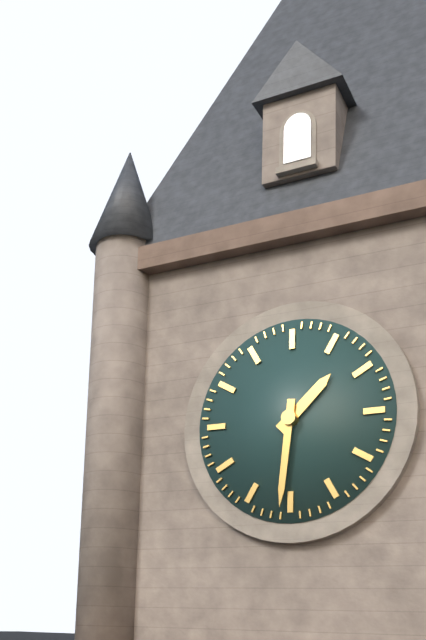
1:31
